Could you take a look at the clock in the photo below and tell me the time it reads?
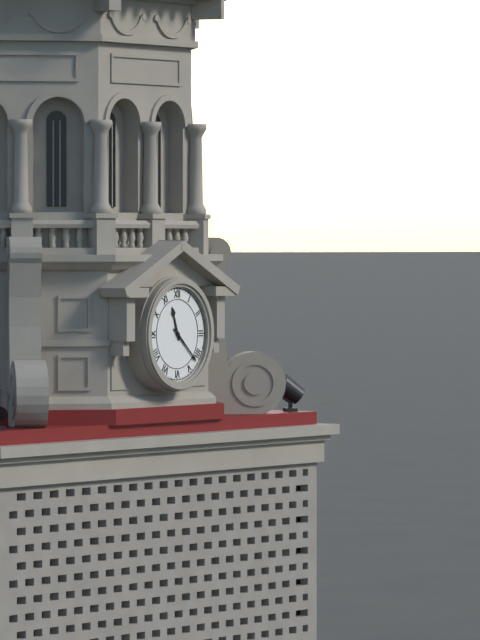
11:22
